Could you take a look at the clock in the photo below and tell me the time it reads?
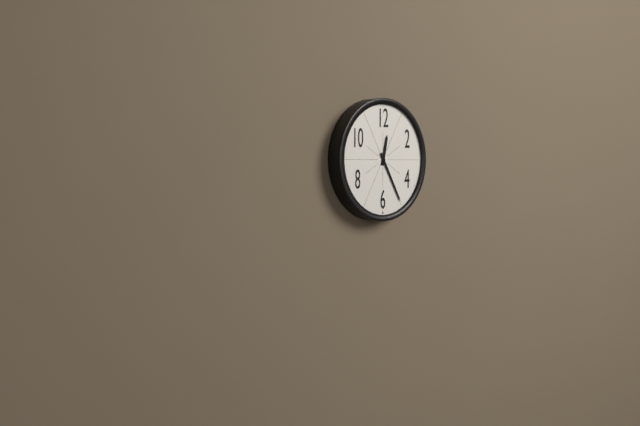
12:25
